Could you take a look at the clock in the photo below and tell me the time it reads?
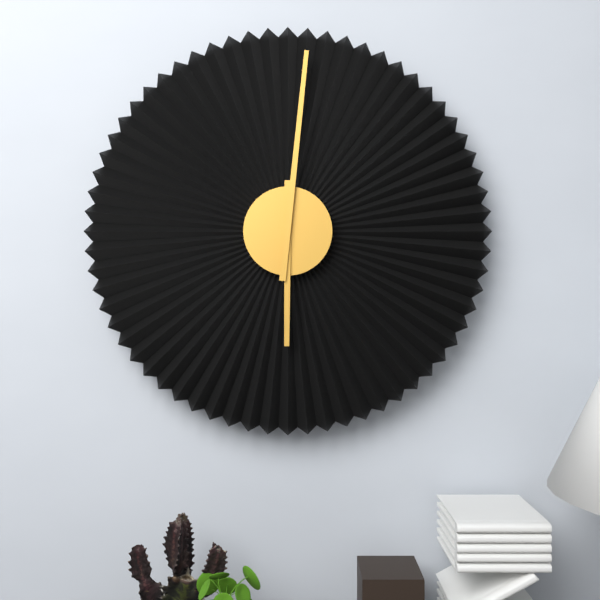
6:01
